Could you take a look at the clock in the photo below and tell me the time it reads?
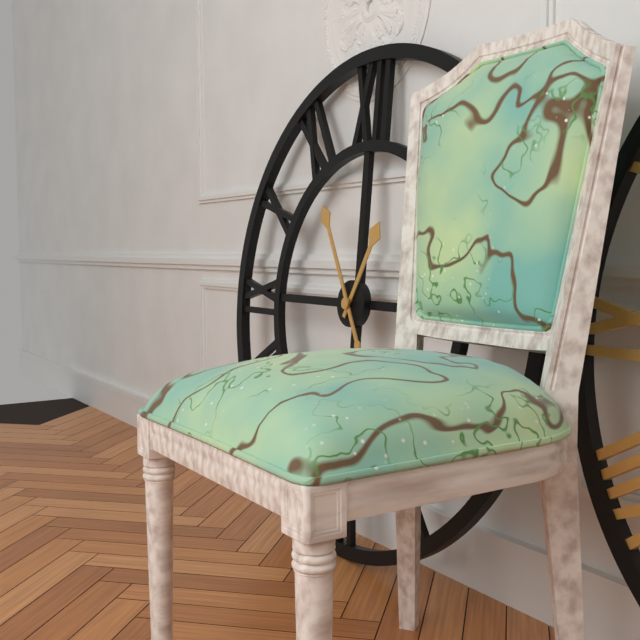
12:55
